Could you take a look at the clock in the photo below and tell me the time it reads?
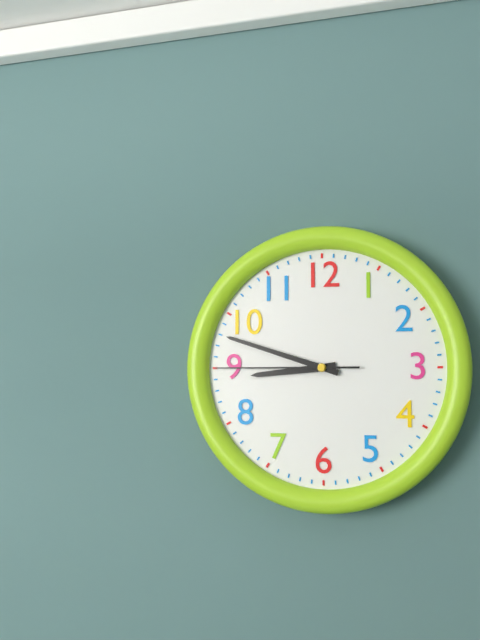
8:48:45
